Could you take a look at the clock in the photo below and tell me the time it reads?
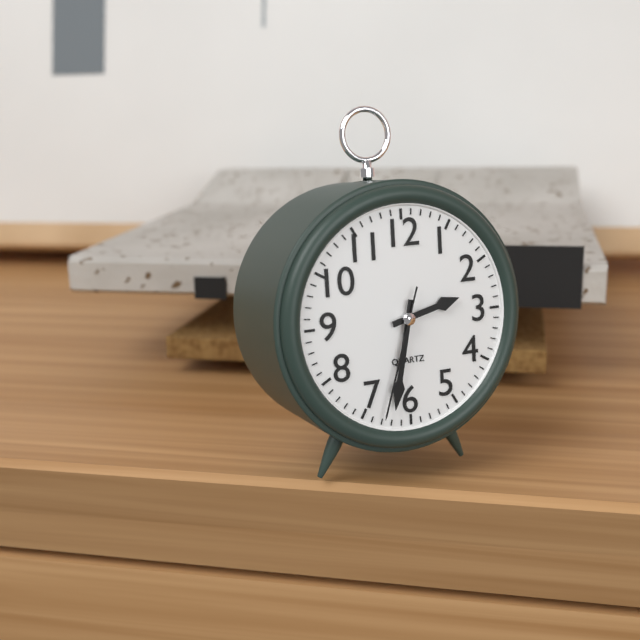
2:32:33
